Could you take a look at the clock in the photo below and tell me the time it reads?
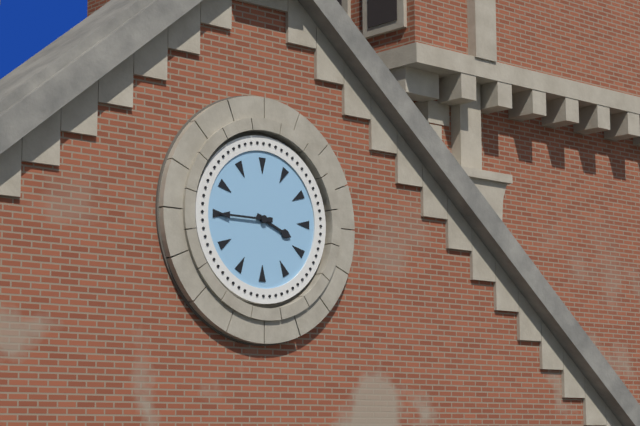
3:45
